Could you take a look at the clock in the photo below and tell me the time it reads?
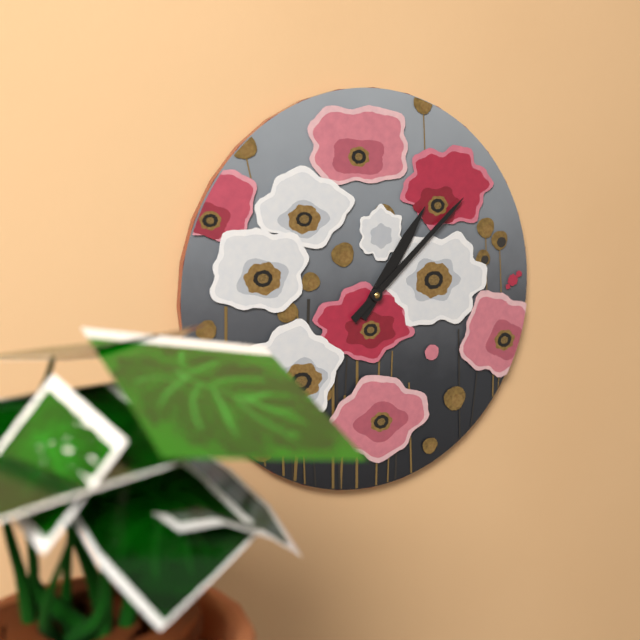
1:08
